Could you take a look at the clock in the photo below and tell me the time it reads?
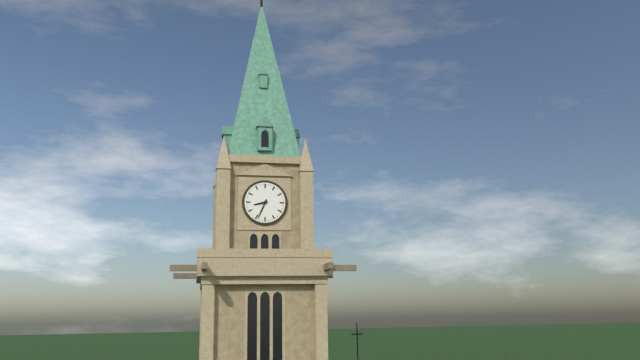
8:34
